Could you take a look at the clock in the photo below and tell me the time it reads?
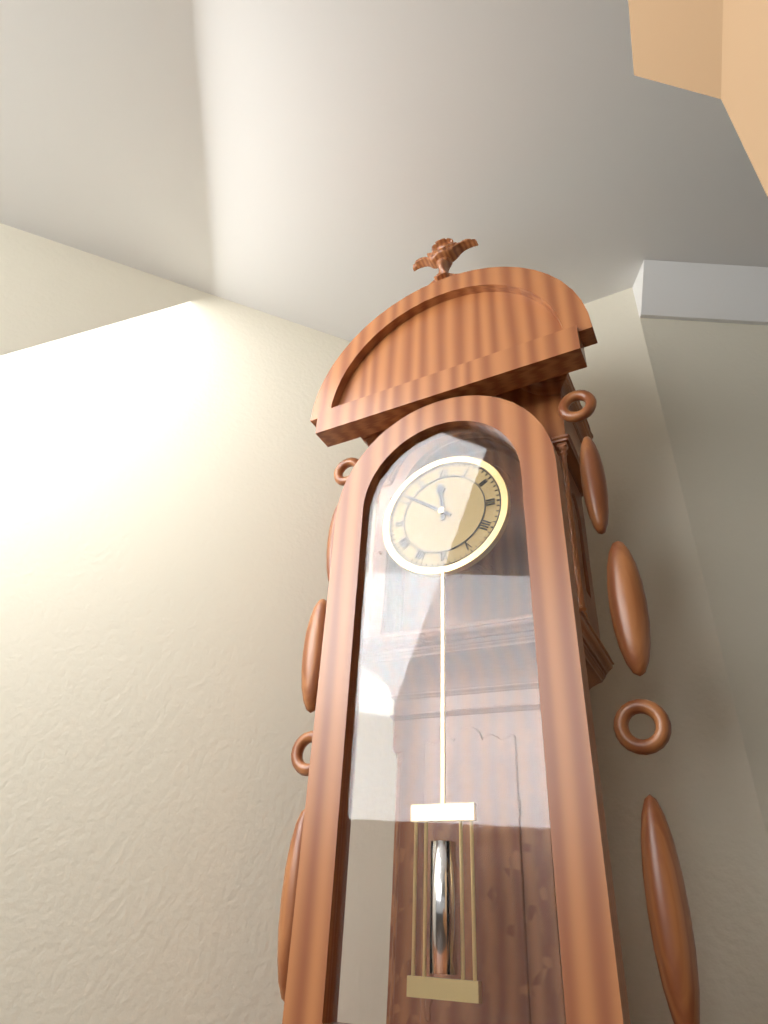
11:51
